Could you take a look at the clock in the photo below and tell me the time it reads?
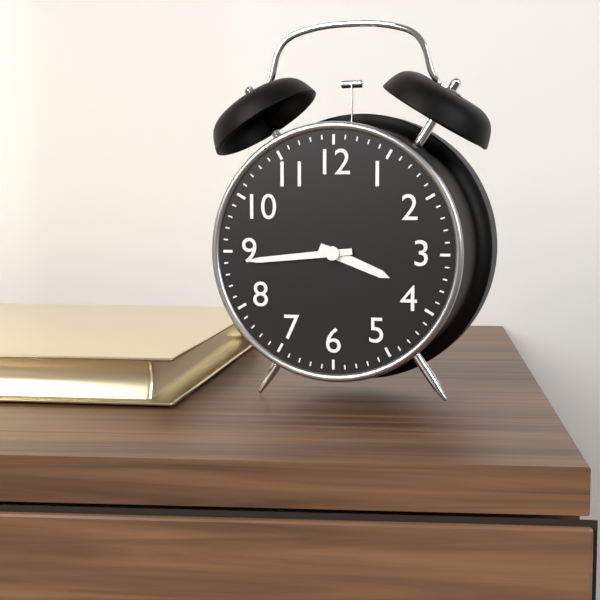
3:44
